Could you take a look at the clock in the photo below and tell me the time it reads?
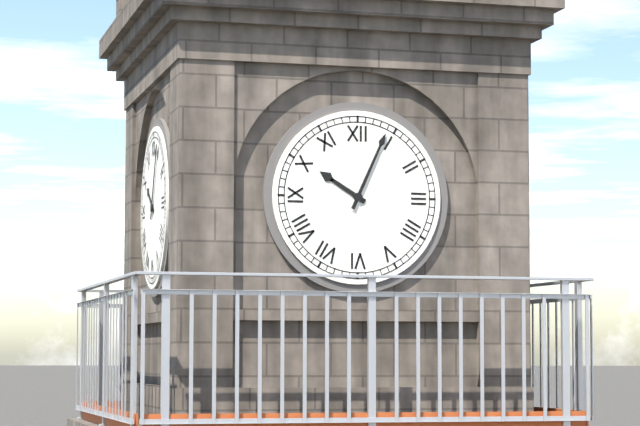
10:04
